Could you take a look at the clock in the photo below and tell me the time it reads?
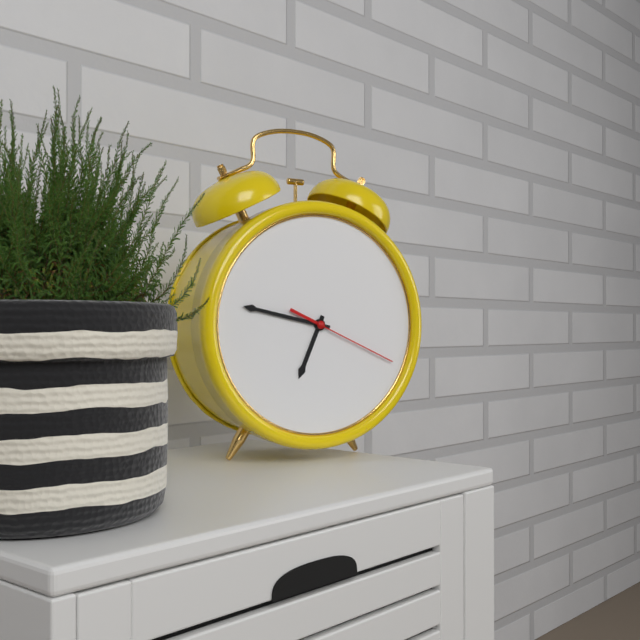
6:47:19
